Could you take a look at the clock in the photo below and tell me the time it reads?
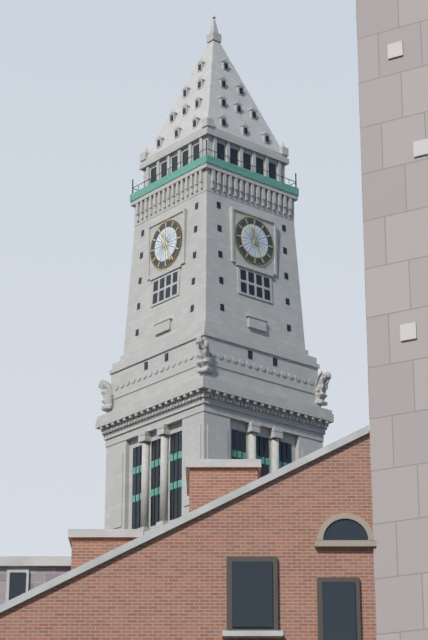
11:26
